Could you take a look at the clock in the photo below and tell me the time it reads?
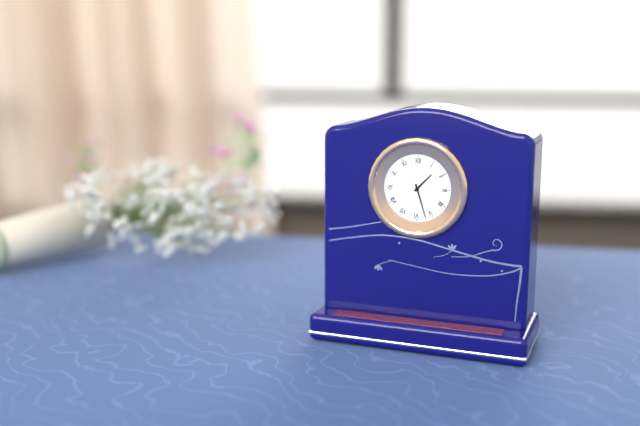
1:27
